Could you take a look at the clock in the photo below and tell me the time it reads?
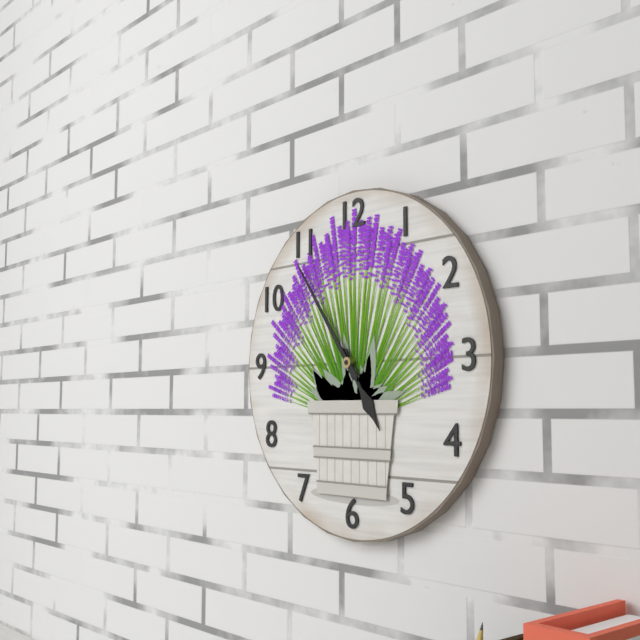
4:54
